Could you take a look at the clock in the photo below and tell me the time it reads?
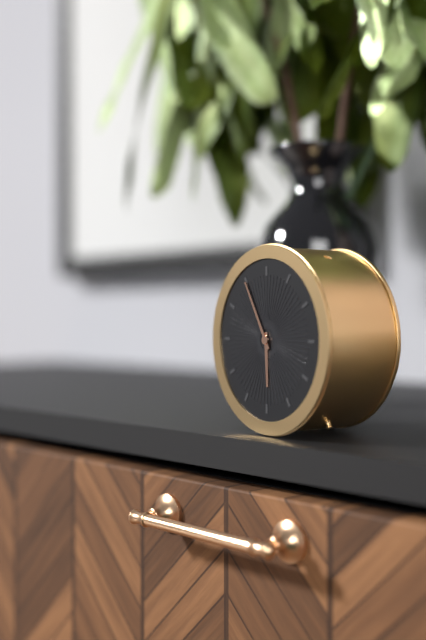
5:55
